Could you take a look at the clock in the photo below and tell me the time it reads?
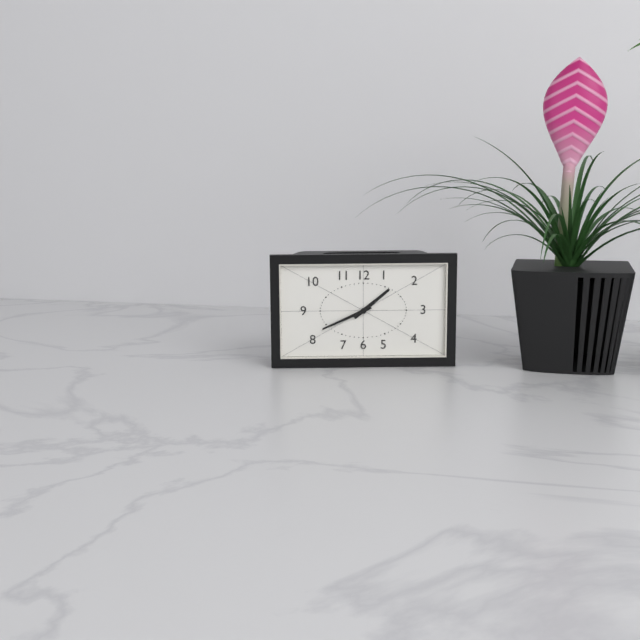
1:41
